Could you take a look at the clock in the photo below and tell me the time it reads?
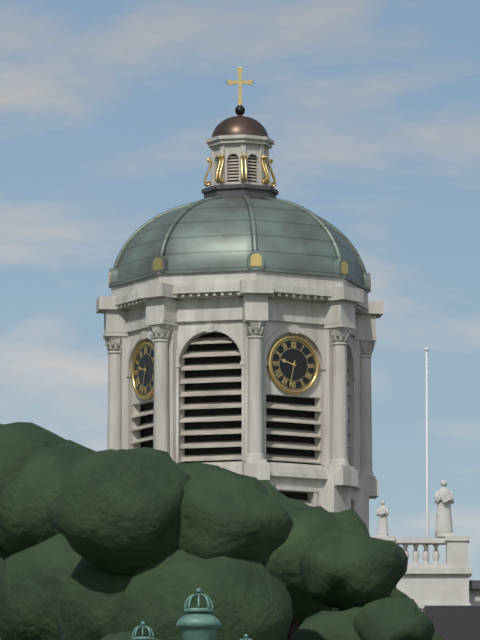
9:32
